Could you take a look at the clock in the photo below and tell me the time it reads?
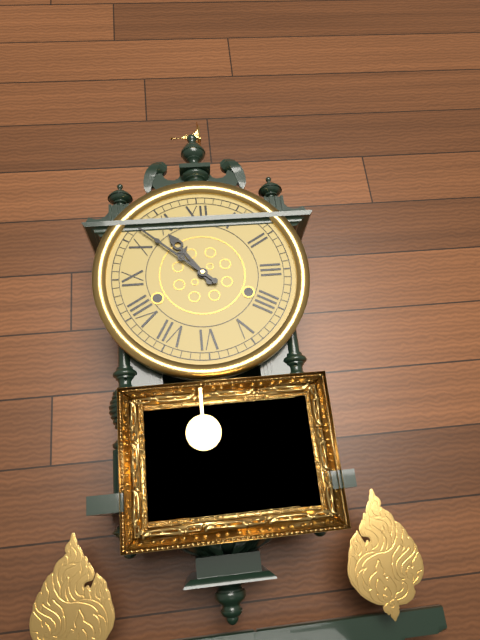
10:52
